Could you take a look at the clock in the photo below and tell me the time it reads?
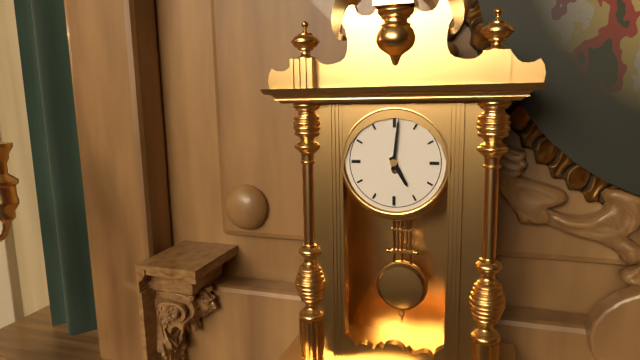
5:01
